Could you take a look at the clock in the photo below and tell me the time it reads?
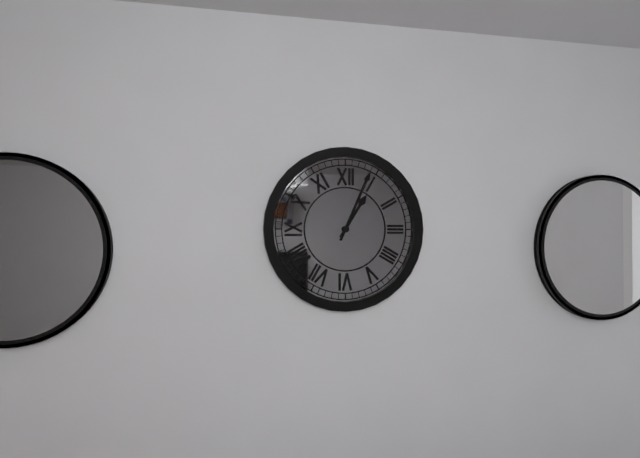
1:04
